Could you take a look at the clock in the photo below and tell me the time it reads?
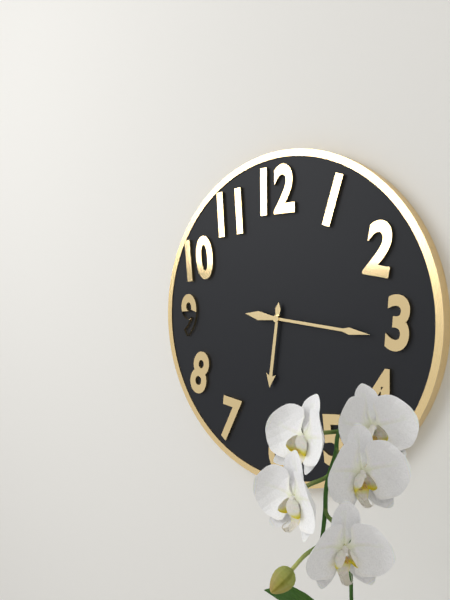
6:16
